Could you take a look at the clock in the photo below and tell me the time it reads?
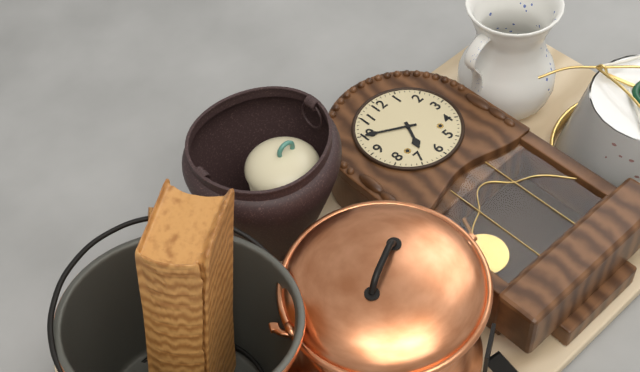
6:50
